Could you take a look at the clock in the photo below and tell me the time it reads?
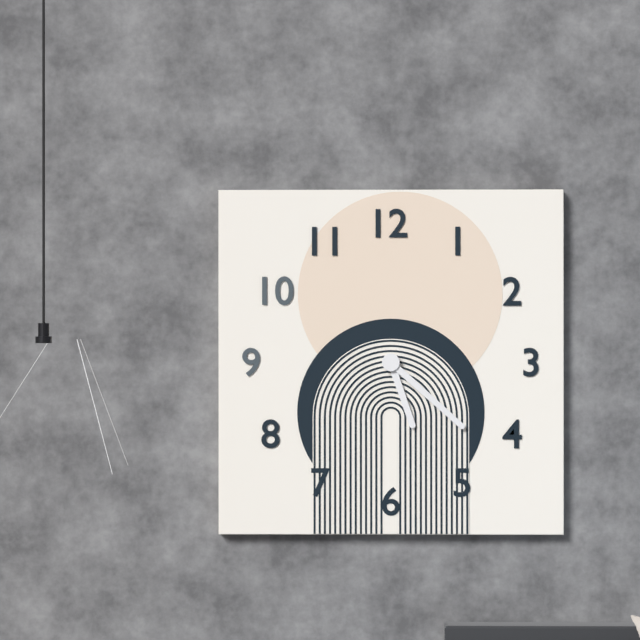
5:22
